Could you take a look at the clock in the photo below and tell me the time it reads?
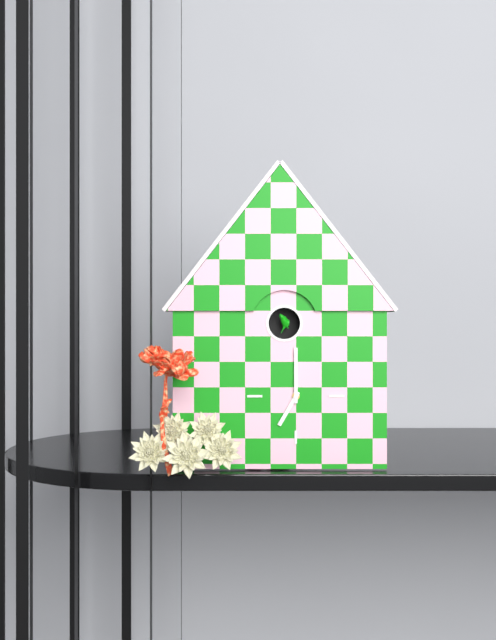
7:00
